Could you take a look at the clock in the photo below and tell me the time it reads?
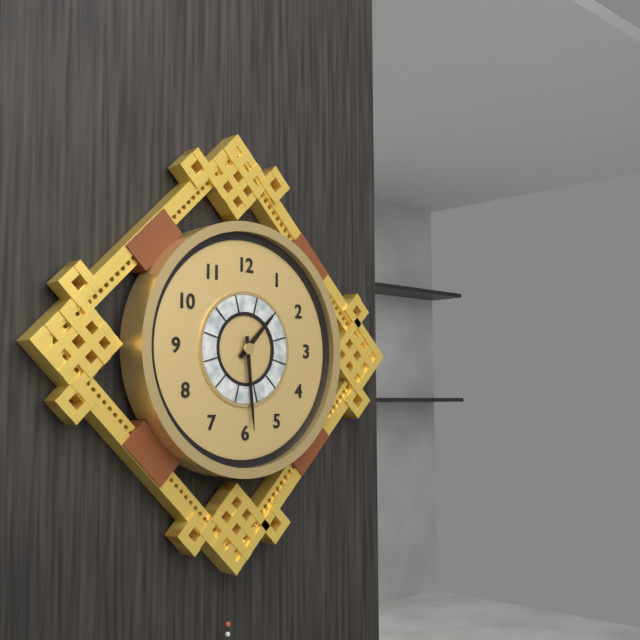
1:29
